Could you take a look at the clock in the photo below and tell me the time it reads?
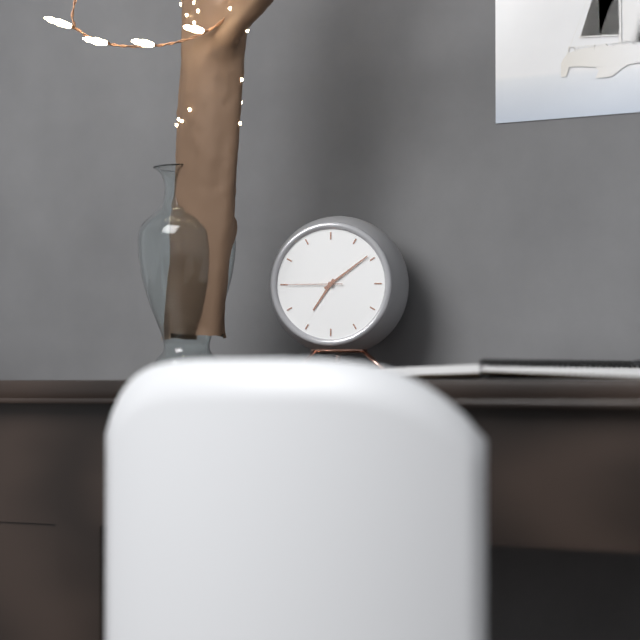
7:09:45
